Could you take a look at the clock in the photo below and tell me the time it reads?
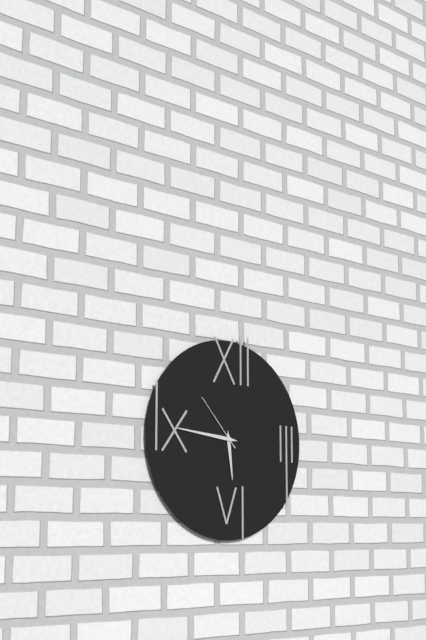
5:46:53
